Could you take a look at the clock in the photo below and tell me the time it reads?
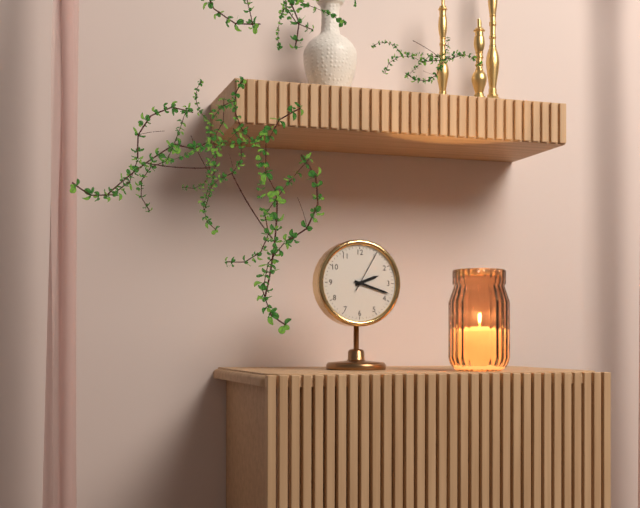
2:18
